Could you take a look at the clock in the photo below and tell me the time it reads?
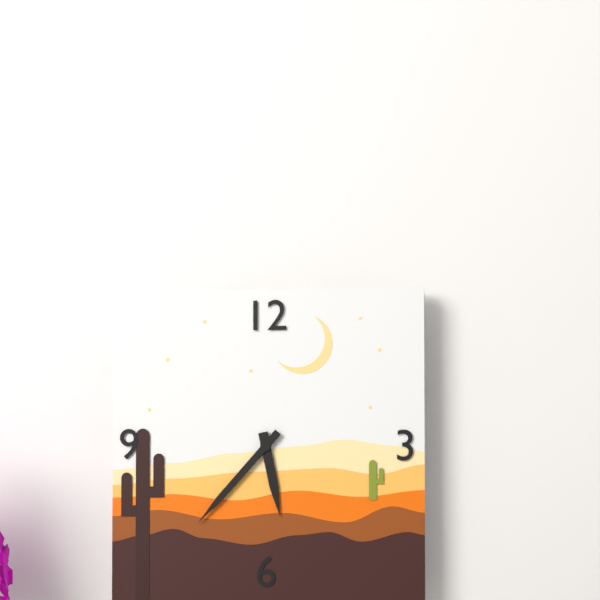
5:37
